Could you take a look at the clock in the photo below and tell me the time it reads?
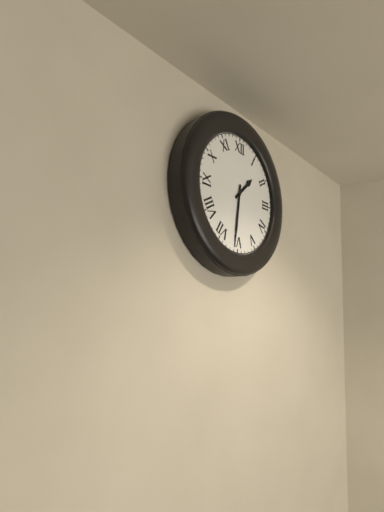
1:31
